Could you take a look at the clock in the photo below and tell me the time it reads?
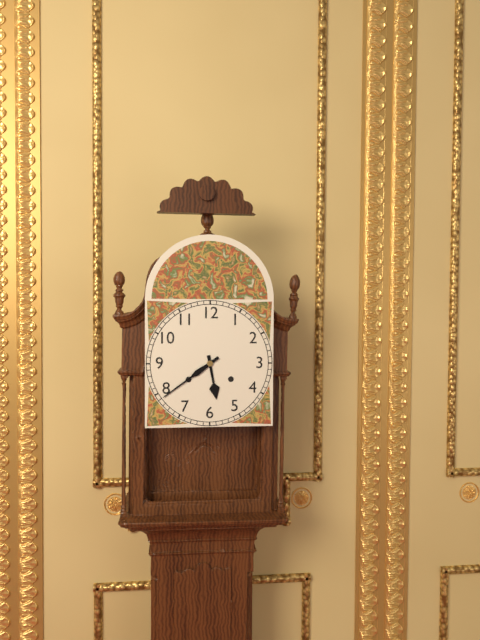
5:39
